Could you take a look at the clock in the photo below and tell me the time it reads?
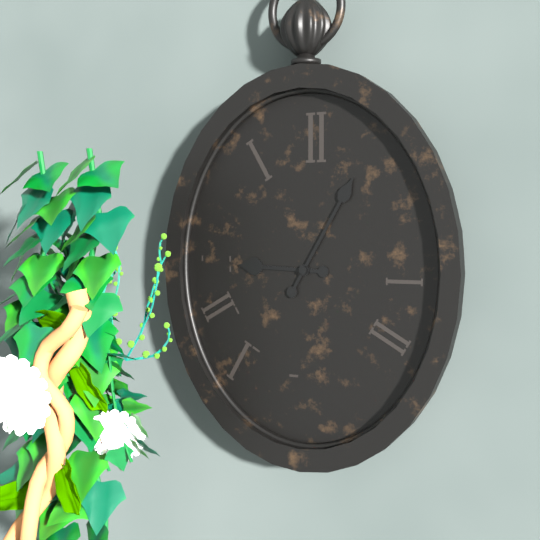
9:05
